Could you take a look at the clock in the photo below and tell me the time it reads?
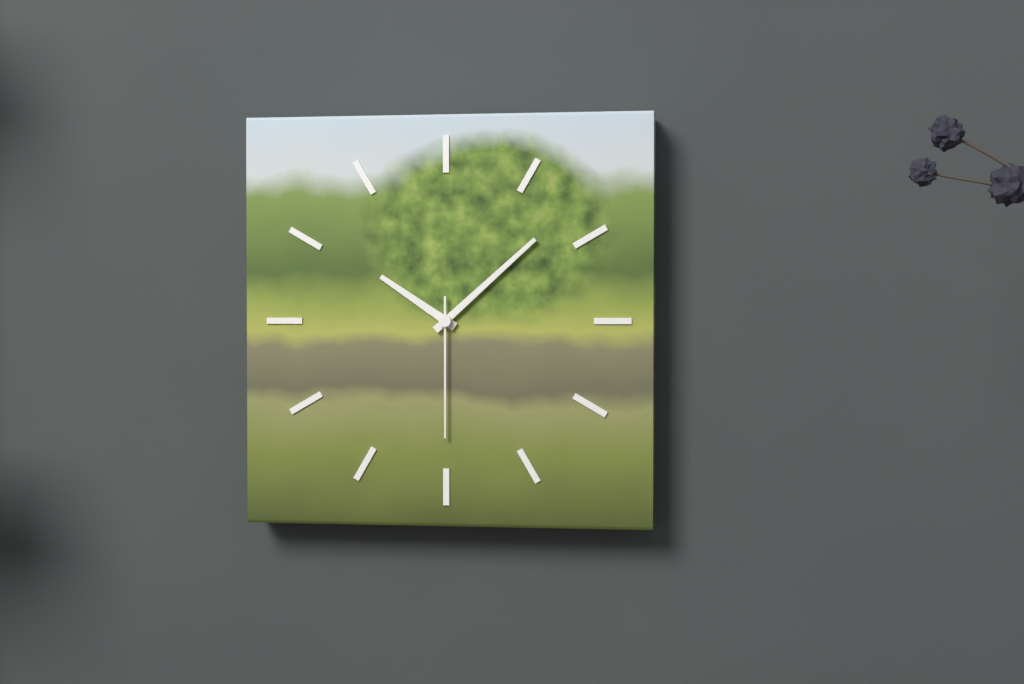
10:08:30
